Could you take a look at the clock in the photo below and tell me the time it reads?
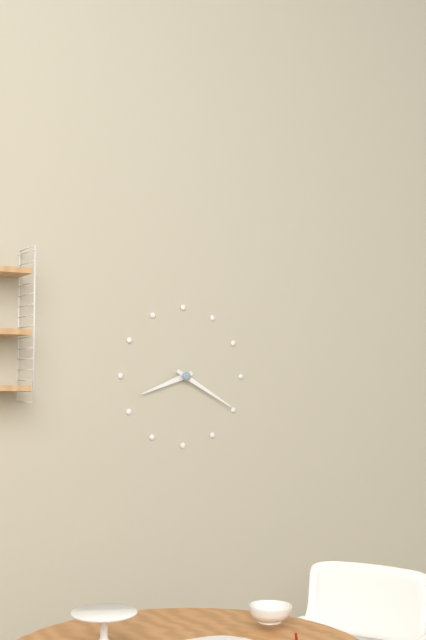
8:20
